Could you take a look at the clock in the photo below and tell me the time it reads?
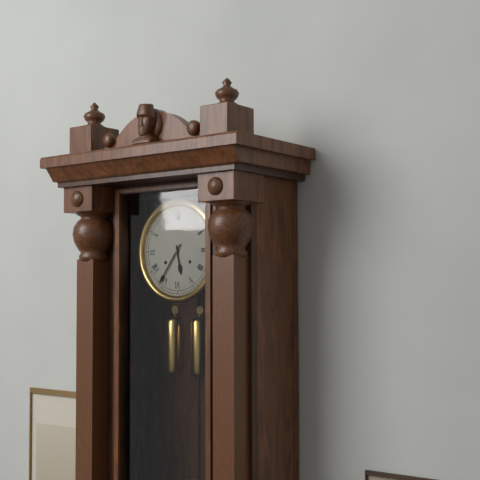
5:36
